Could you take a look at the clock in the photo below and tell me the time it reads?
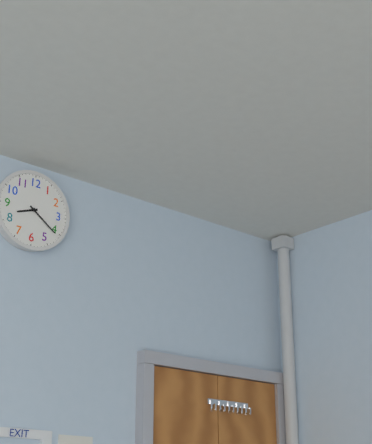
8:21
